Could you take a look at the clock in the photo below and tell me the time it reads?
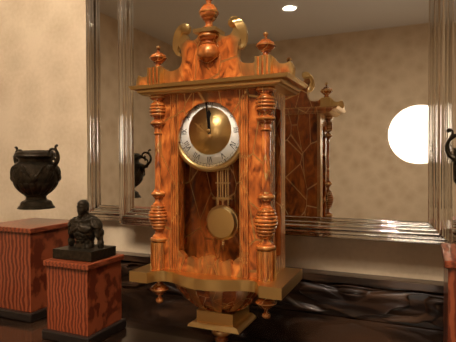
11:59
